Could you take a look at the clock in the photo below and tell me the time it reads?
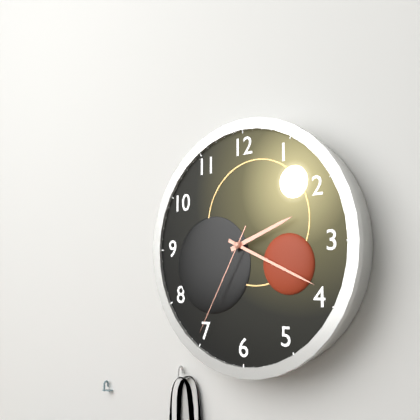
2:19:35
